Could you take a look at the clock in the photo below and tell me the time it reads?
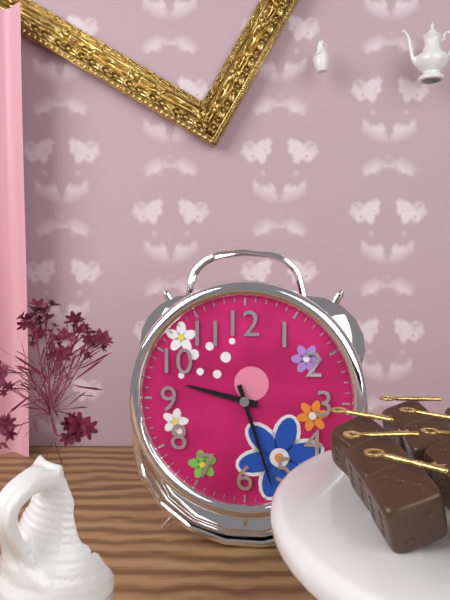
9:27
